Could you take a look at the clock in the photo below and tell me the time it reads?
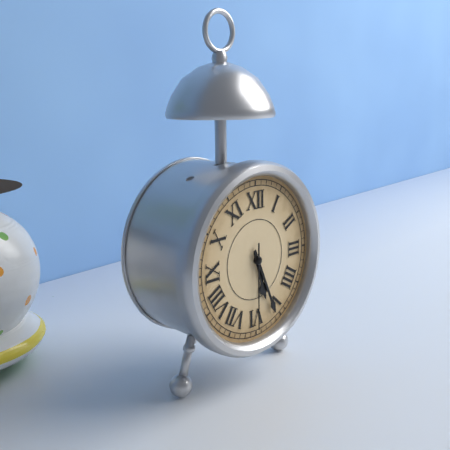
5:26:30
